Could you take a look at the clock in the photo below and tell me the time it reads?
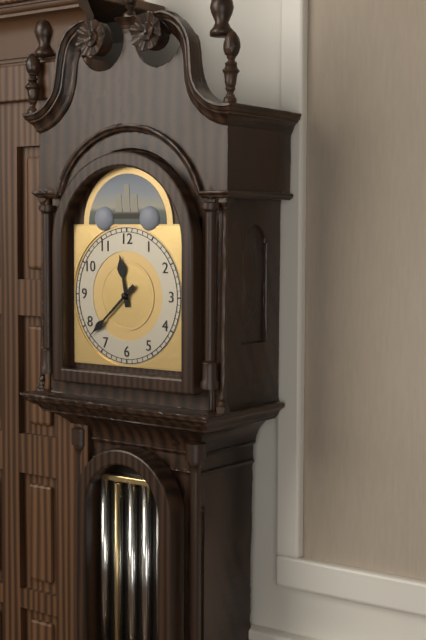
11:38
